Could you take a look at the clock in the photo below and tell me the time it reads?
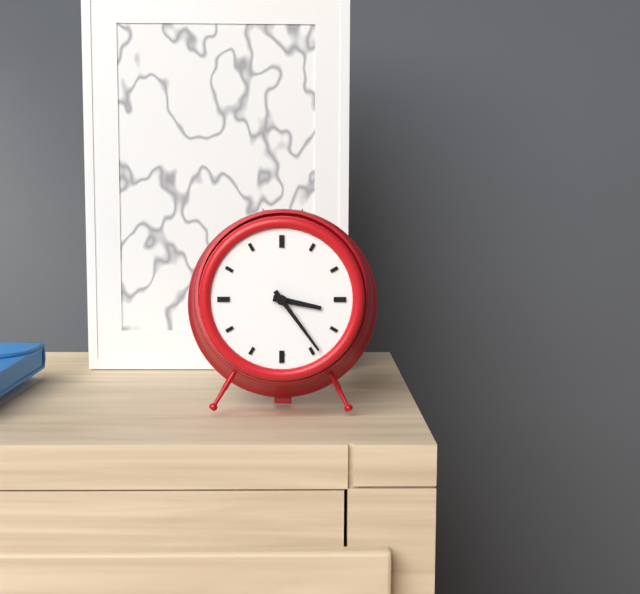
3:24
